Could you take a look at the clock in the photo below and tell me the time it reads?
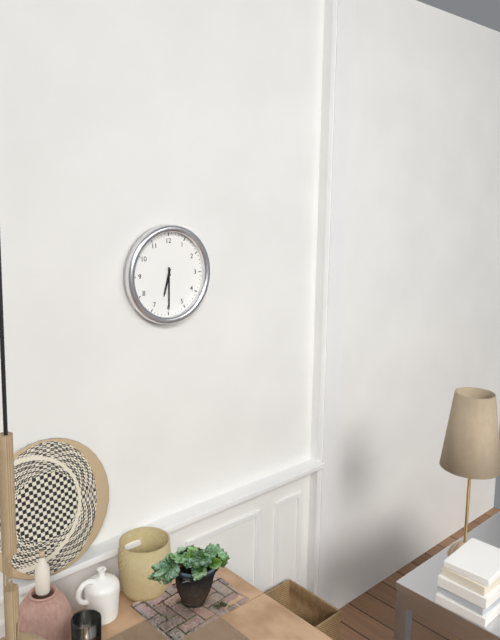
6:30
